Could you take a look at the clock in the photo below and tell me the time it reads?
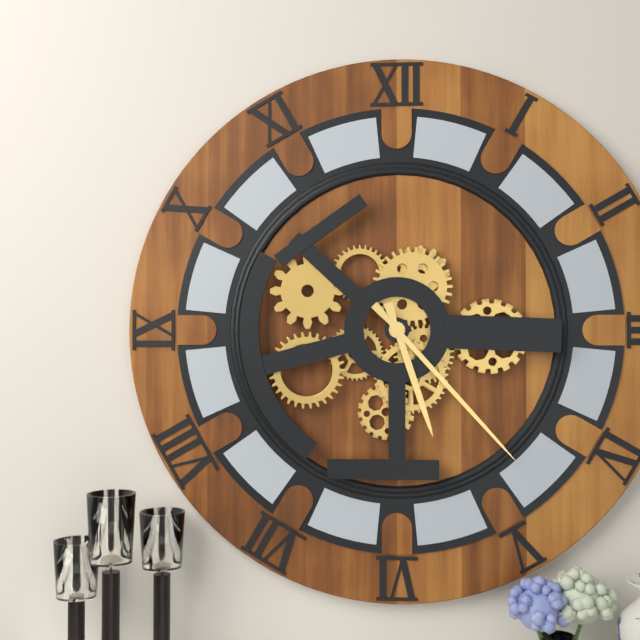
5:23
